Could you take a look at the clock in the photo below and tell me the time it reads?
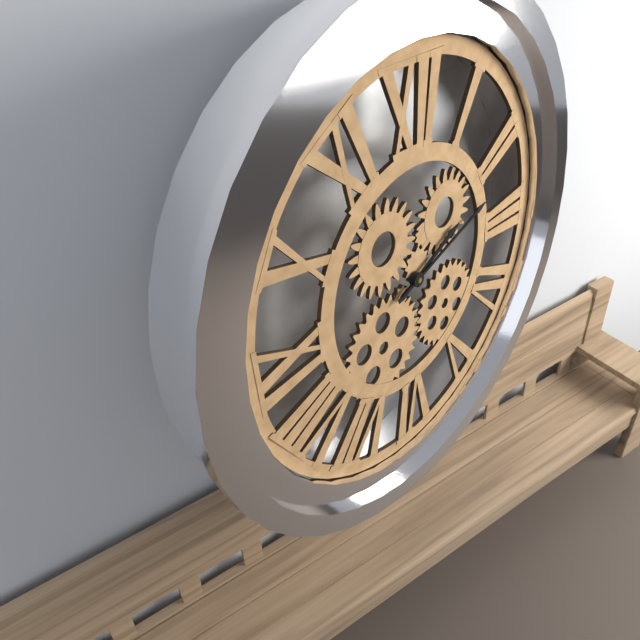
2:12
